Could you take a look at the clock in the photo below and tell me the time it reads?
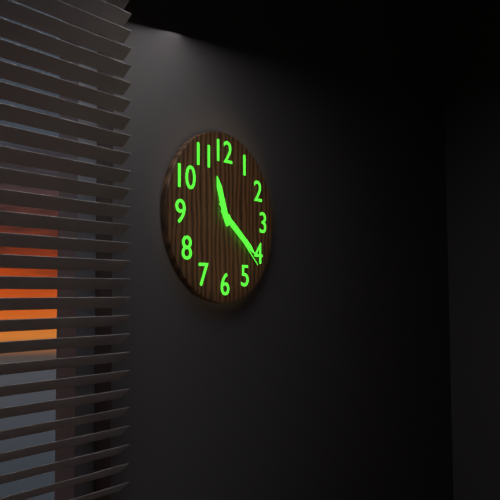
11:21:22
